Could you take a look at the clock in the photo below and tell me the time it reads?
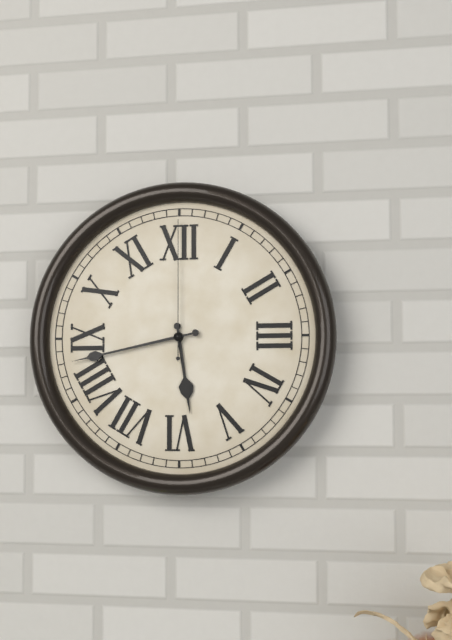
5:43:00
